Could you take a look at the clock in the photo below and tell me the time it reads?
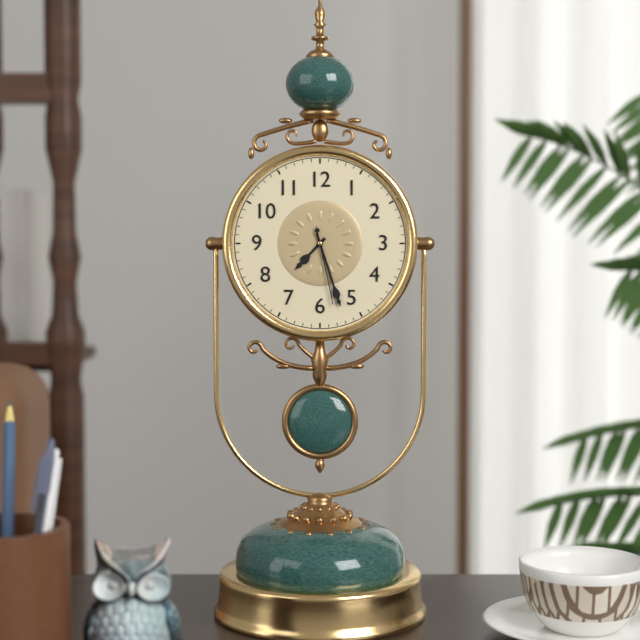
7:27:28
